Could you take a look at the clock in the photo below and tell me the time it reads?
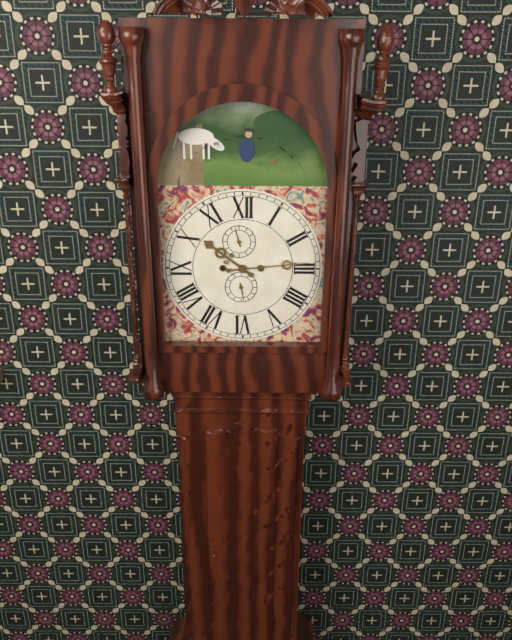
10:14
